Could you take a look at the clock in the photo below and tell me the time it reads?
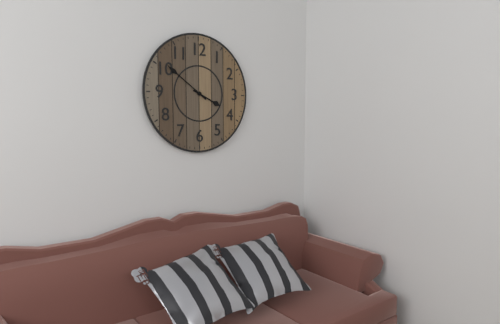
3:51
